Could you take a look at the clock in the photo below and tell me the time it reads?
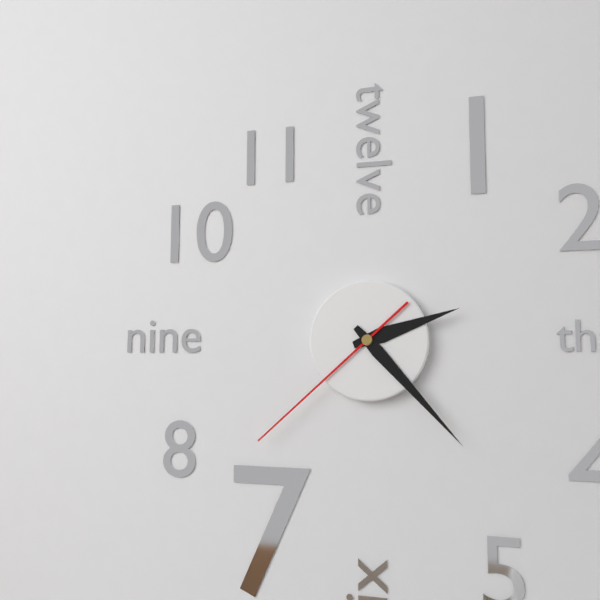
2:23:38
